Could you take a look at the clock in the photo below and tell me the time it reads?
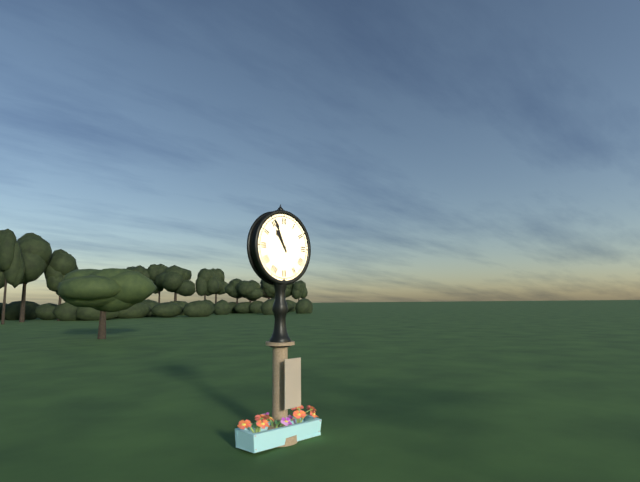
10:56
